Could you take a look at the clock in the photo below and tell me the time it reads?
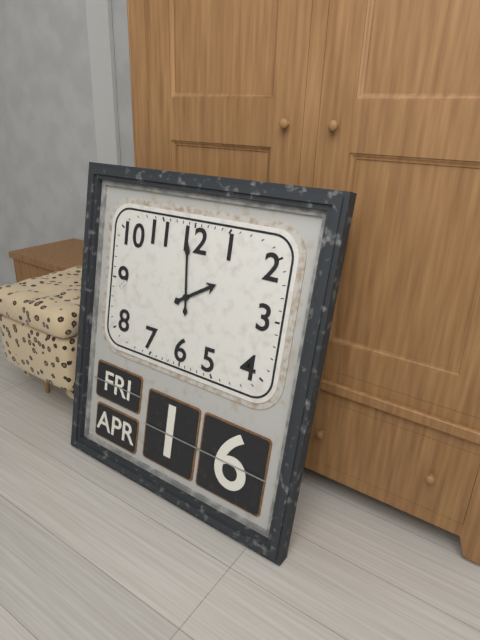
1:59
